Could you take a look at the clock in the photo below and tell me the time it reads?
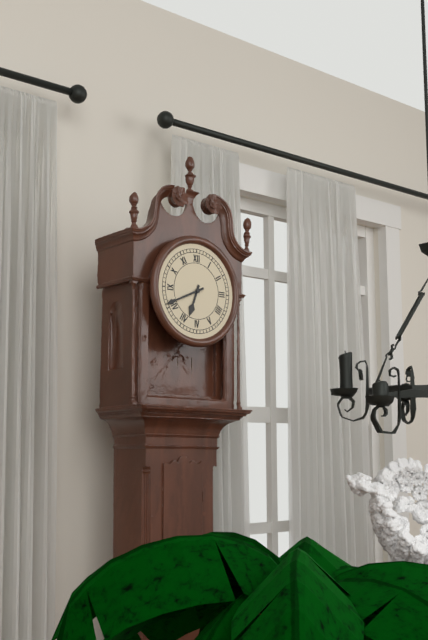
6:41
